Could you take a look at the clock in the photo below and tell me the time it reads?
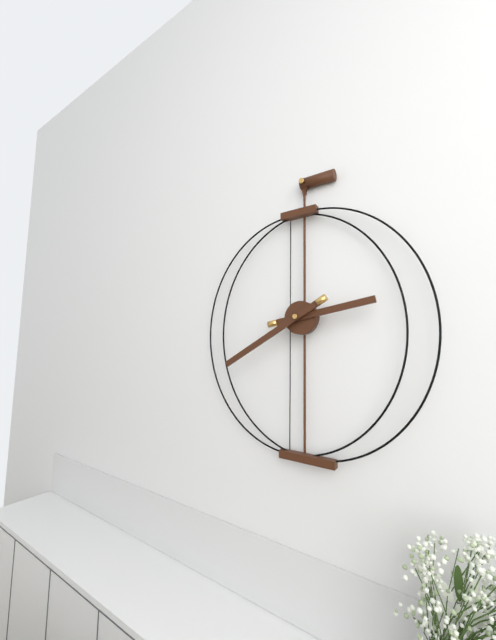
2:40
